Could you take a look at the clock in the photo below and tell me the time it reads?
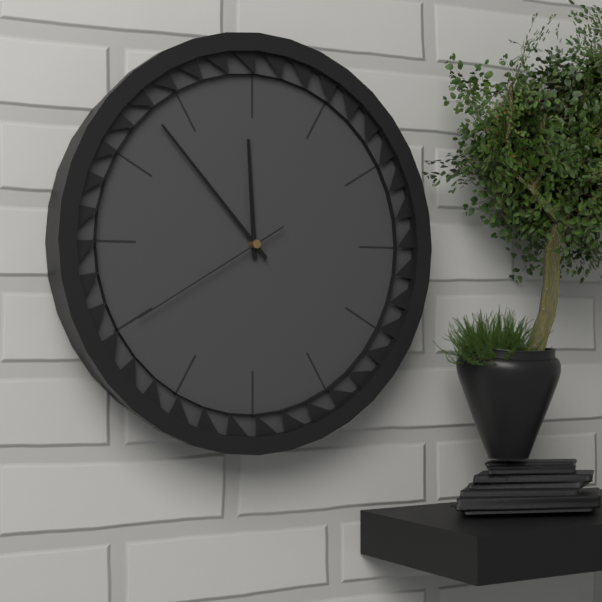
11:53:40
